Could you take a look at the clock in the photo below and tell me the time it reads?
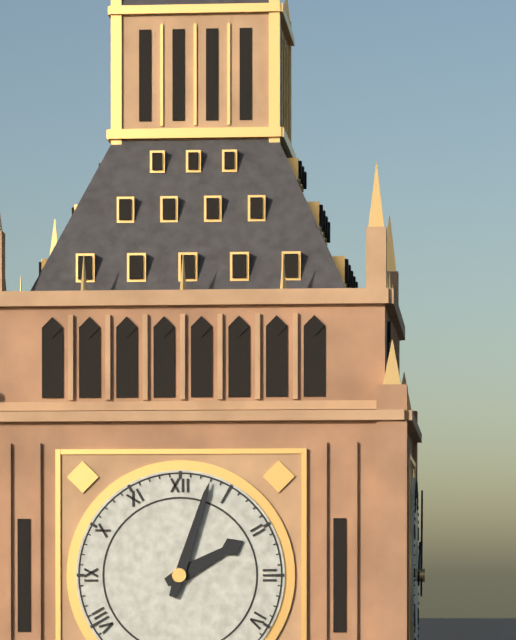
2:03
